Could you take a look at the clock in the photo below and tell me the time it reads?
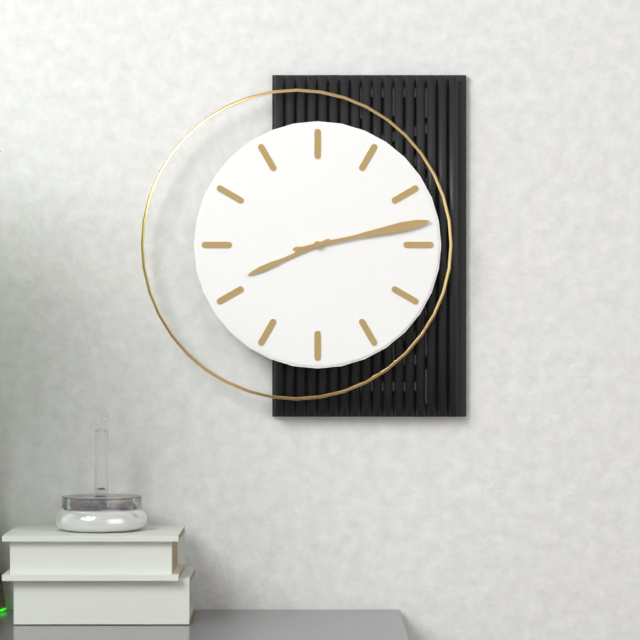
8:13
